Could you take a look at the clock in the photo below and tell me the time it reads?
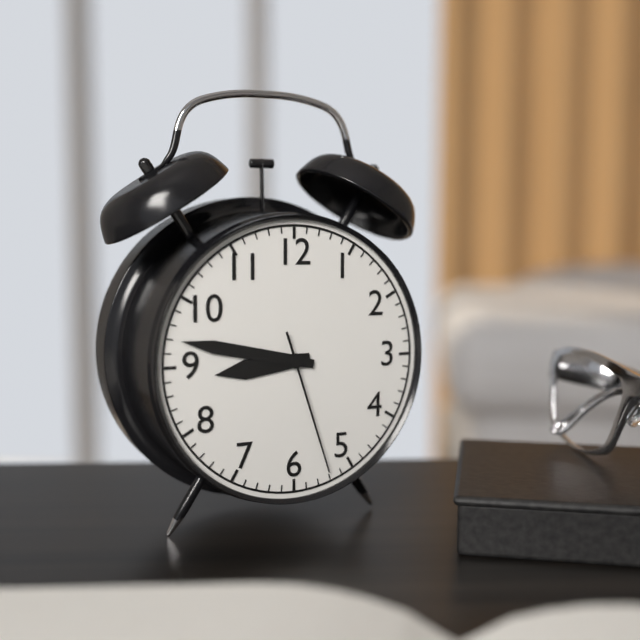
8:47:27
